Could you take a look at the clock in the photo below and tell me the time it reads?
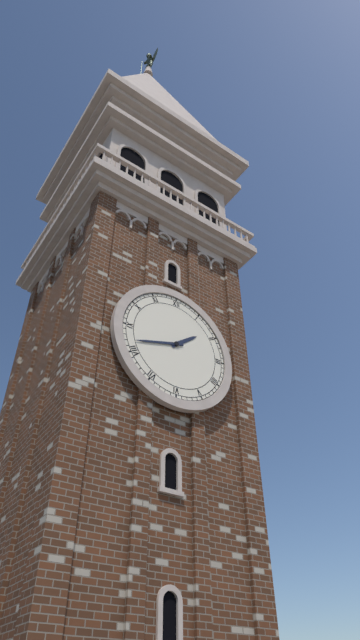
1:42
